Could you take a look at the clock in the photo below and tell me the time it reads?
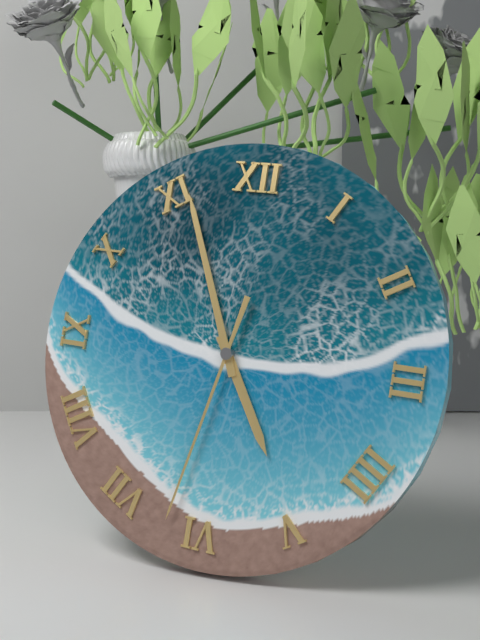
4:56:32
